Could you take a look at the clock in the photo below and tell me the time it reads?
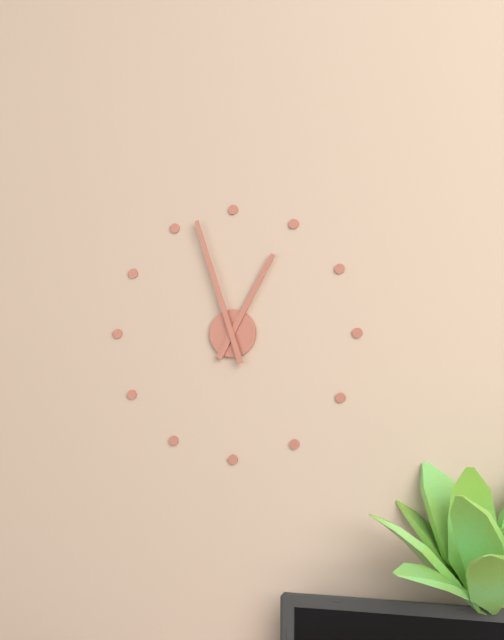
12:57
